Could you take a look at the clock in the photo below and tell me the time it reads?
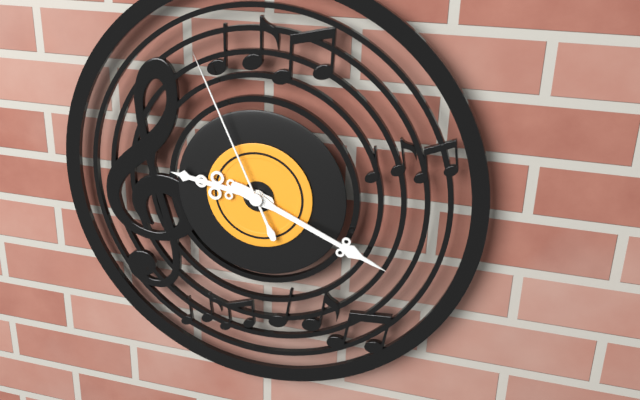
9:19:56
